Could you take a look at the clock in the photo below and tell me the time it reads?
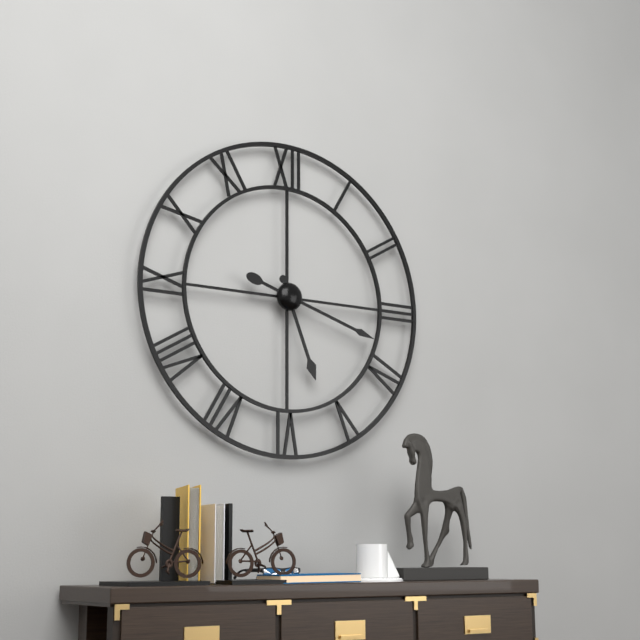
5:18
